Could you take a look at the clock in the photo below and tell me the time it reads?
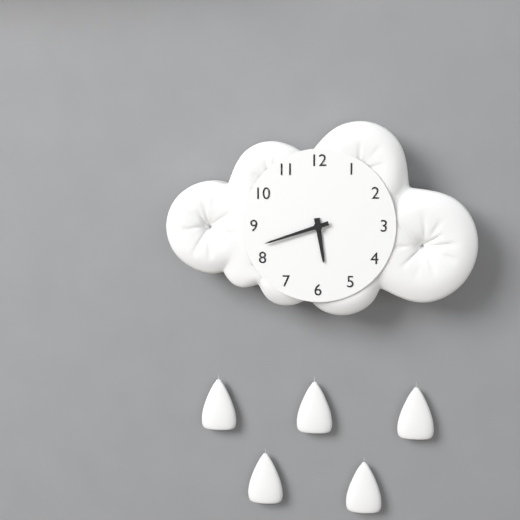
5:42
